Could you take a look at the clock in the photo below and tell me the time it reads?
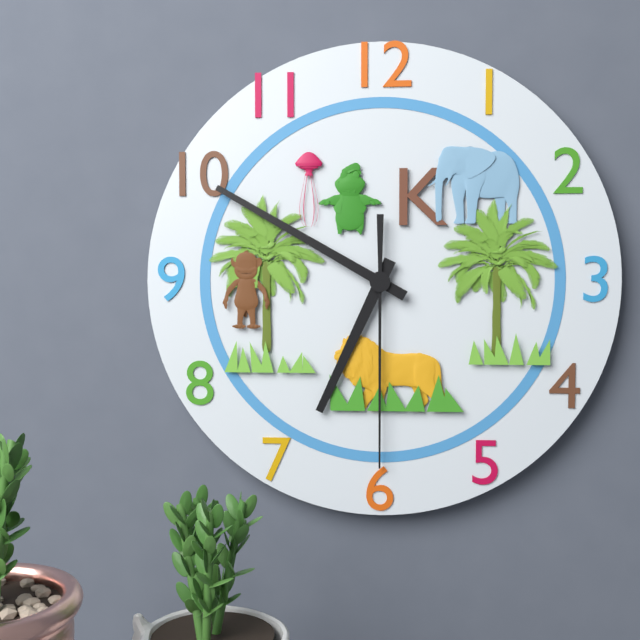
6:50:30
